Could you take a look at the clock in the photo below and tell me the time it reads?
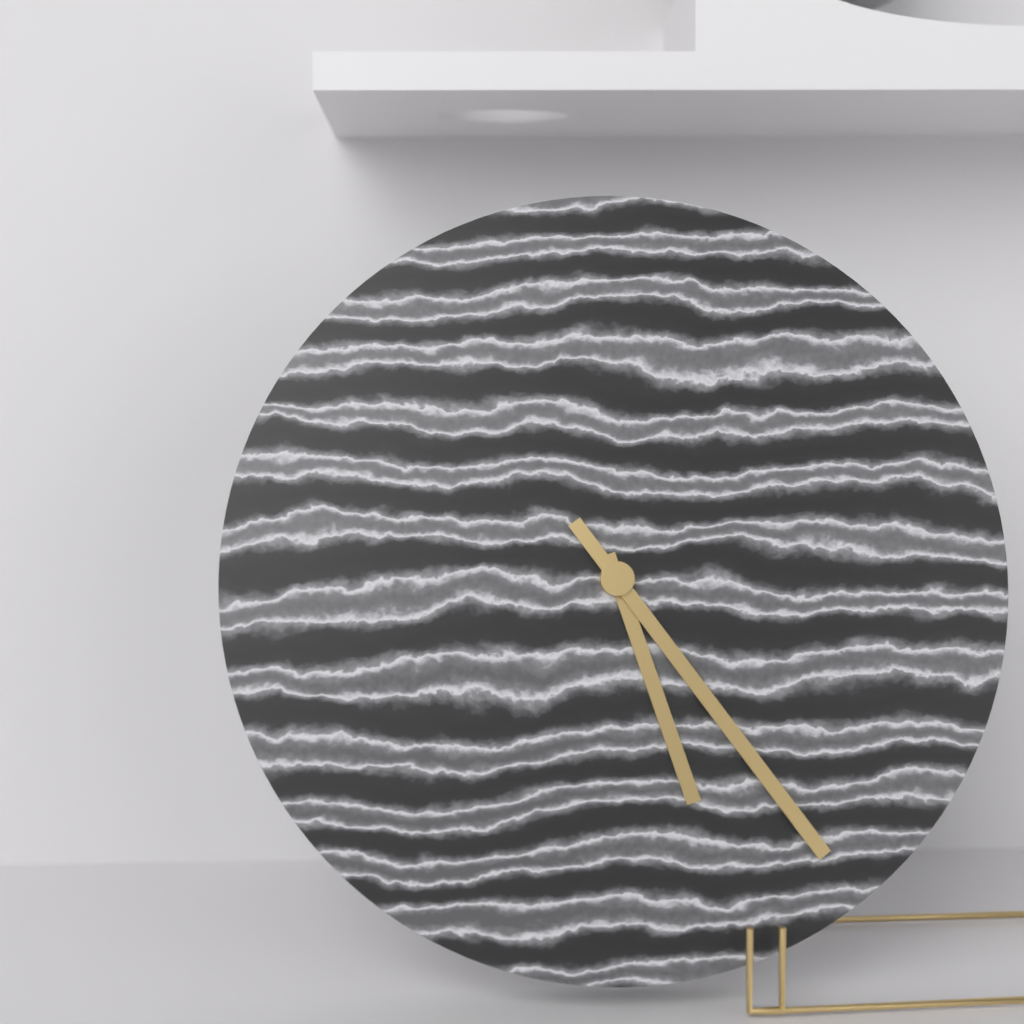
5:24
